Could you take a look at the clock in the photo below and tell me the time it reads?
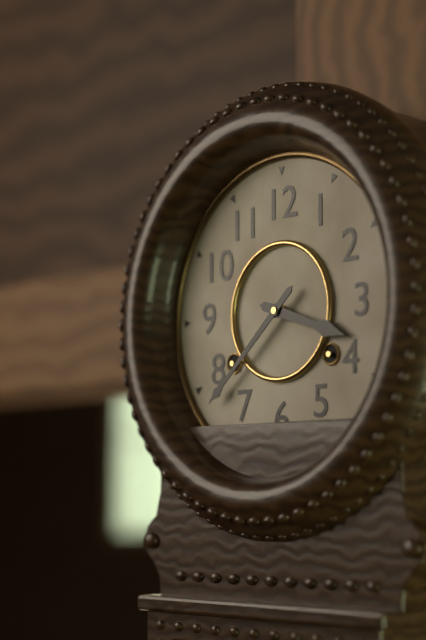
3:38
